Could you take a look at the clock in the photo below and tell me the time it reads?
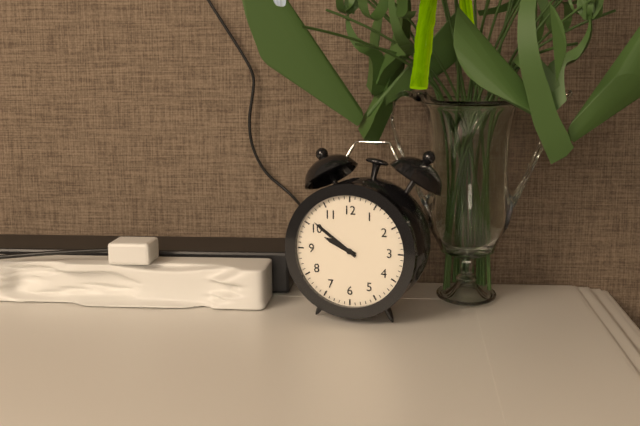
9:51
